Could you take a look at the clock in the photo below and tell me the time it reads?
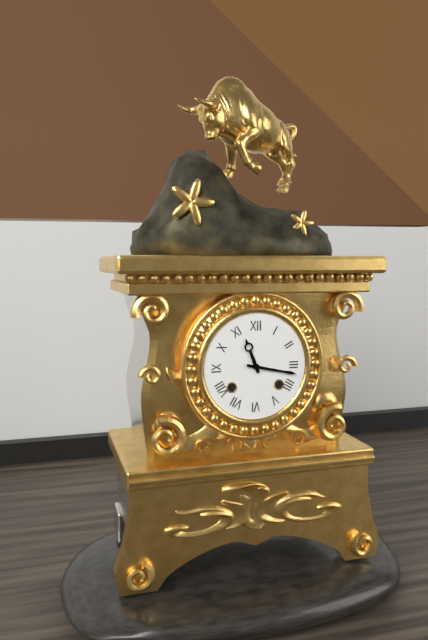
11:17
